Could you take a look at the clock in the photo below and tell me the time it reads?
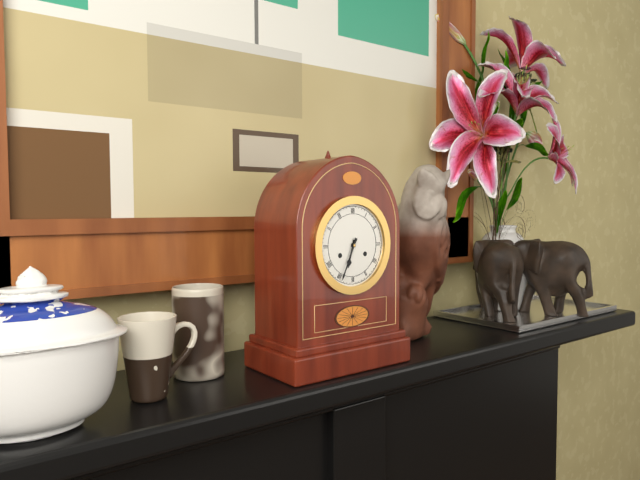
6:34
